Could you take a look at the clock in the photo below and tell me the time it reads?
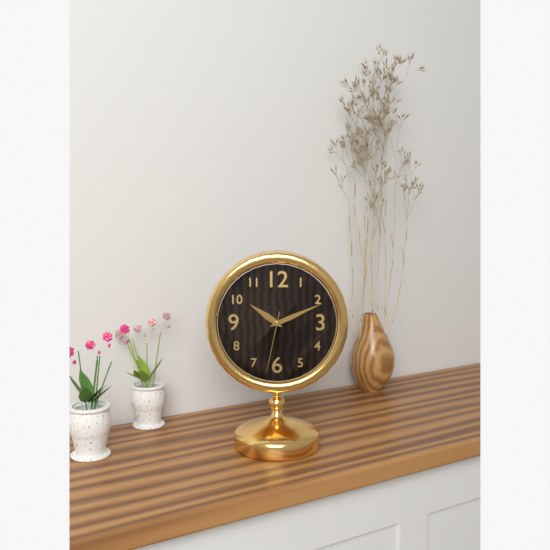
10:11:32
